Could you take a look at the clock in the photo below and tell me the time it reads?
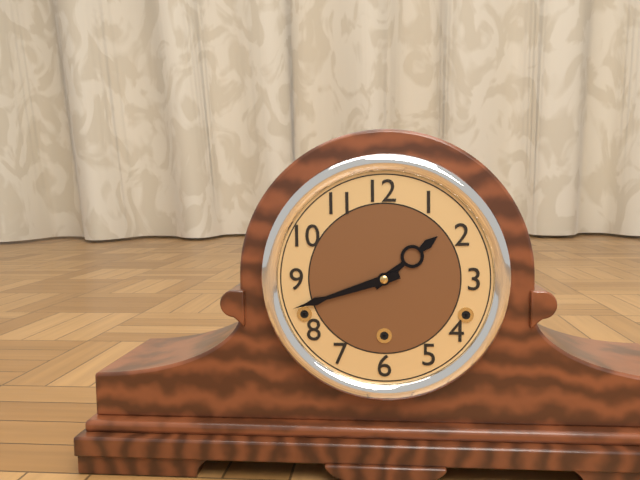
1:42
